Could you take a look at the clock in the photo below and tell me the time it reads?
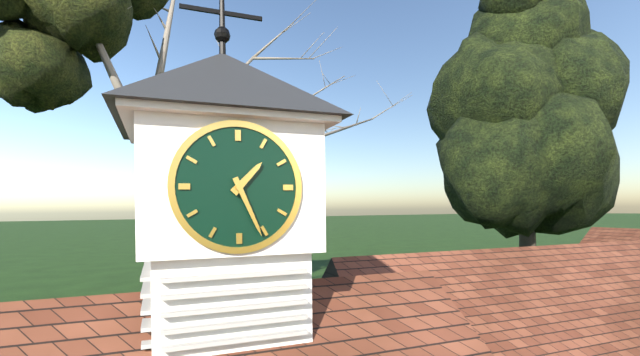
1:26
